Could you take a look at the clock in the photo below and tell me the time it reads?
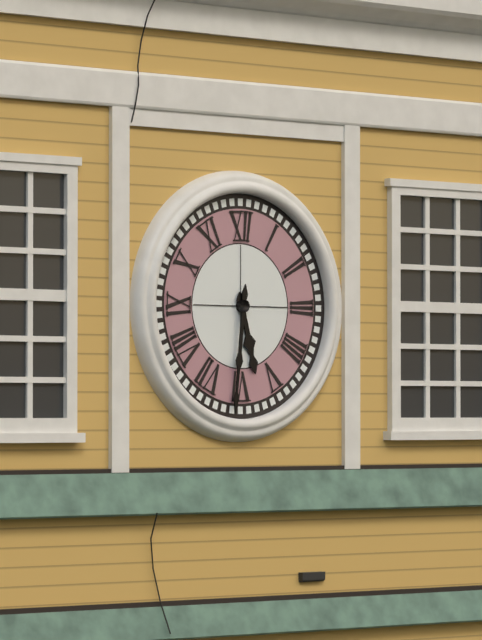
5:31
